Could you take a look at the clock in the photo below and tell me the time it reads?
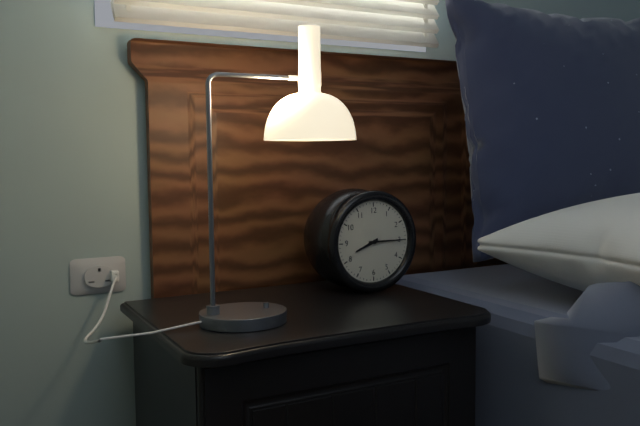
8:15
